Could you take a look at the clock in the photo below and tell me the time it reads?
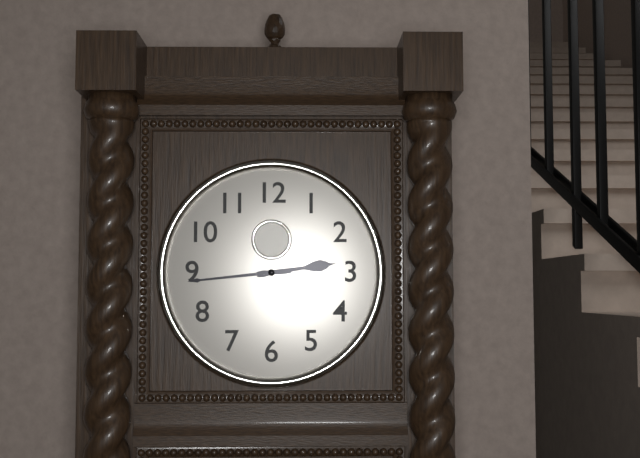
2:44
